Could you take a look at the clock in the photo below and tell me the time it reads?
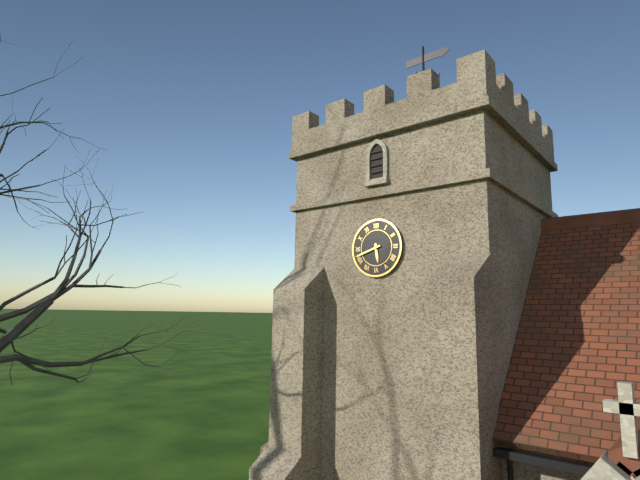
5:42
